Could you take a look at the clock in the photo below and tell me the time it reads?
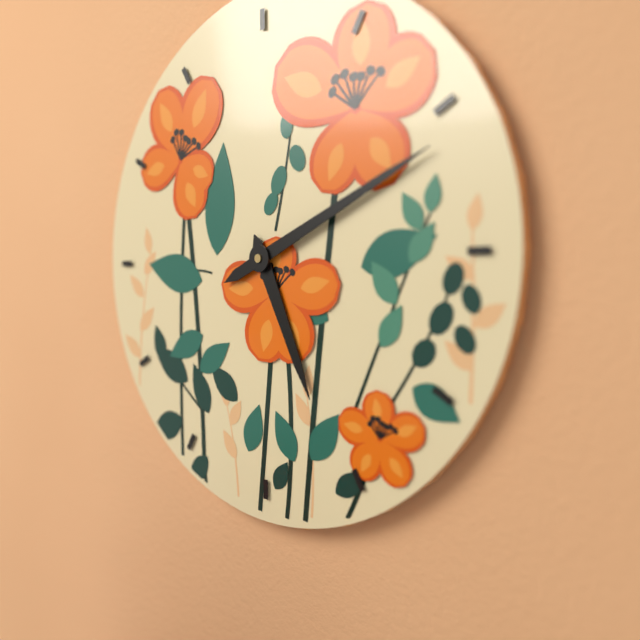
5:11
